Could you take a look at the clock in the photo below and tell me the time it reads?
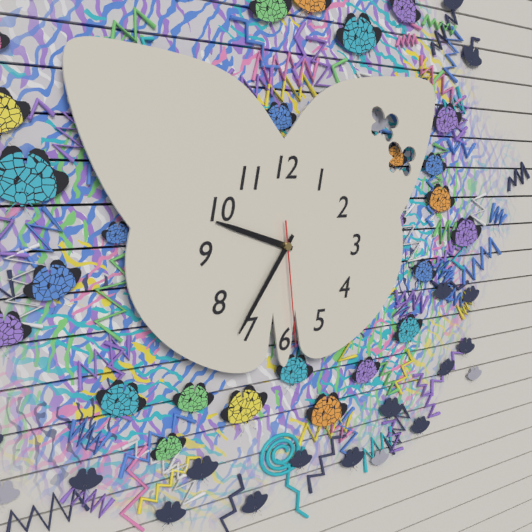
9:36:29
